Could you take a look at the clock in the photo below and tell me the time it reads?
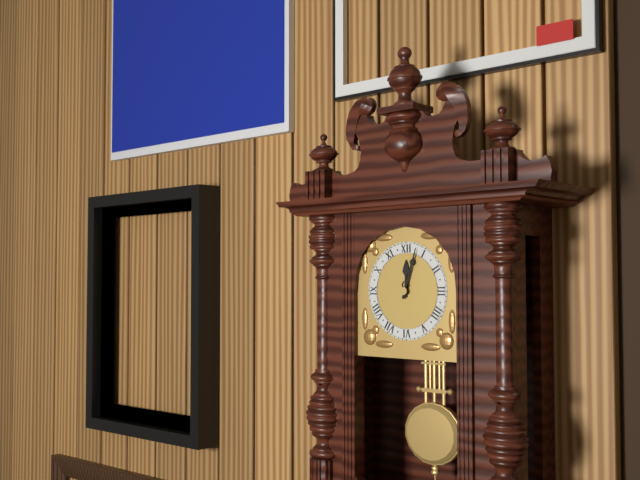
12:03
